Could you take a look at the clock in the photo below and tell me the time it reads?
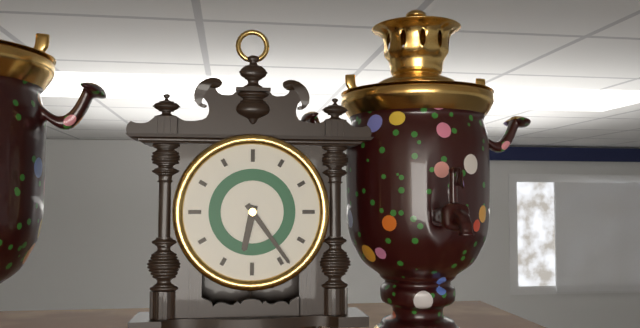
6:24
